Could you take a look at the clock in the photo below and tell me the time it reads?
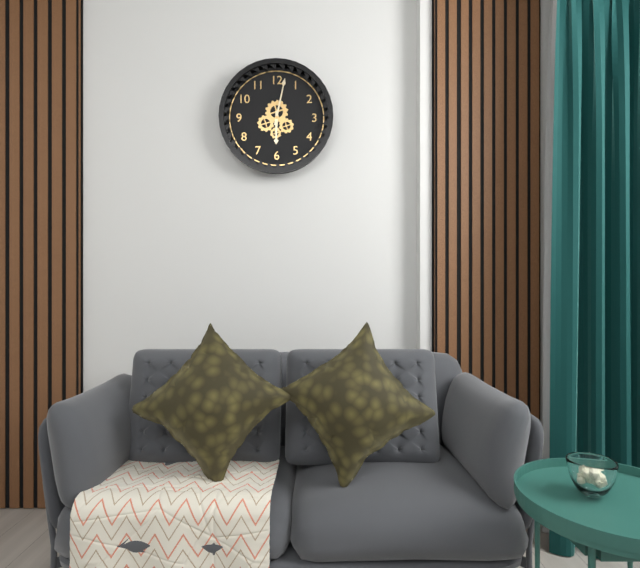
6:02
